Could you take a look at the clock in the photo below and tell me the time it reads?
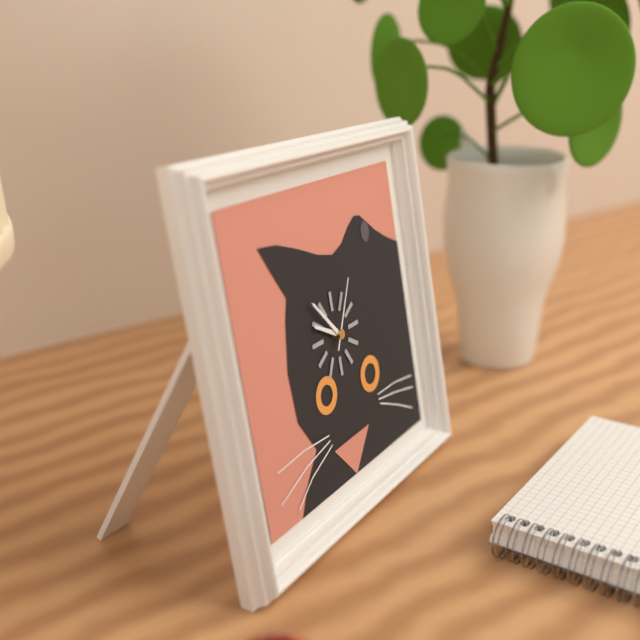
9:53:05
